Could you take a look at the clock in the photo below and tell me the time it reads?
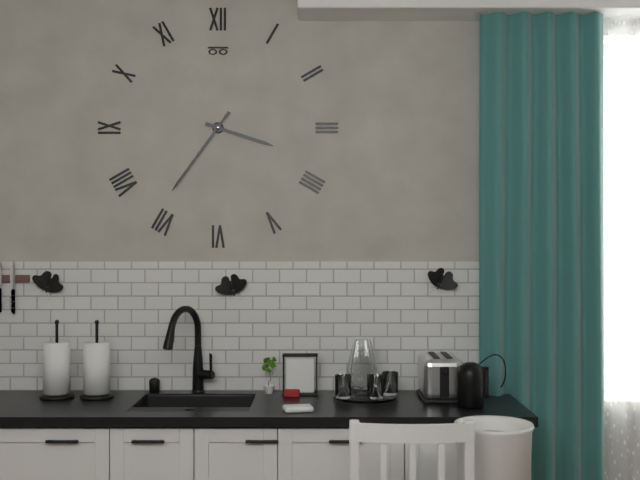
3:36
